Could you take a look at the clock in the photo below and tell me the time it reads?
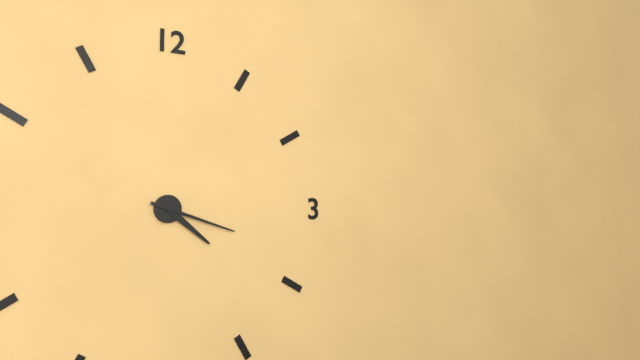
4:18
